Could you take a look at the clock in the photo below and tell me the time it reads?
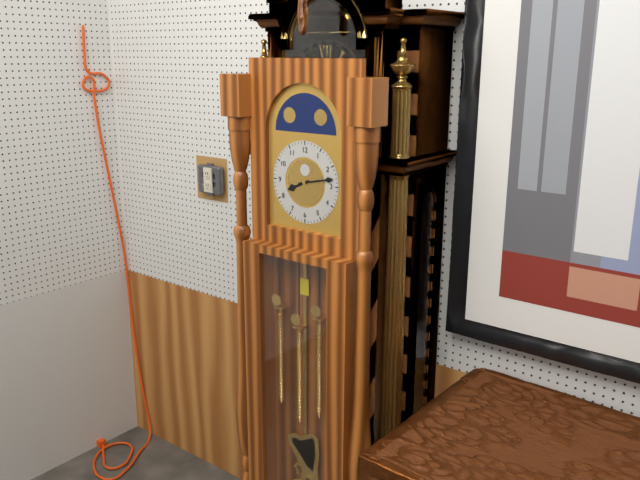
8:13
